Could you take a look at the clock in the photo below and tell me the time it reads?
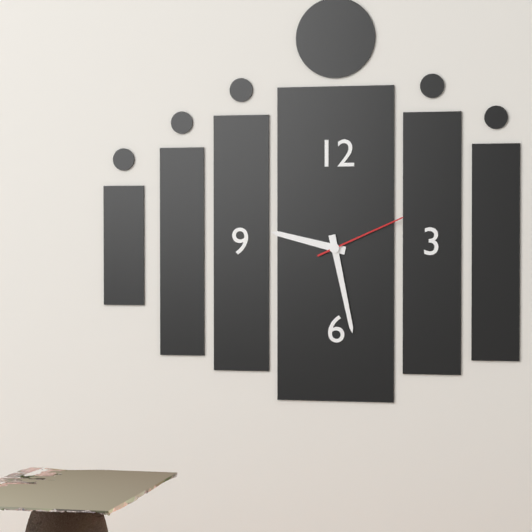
9:28:11
